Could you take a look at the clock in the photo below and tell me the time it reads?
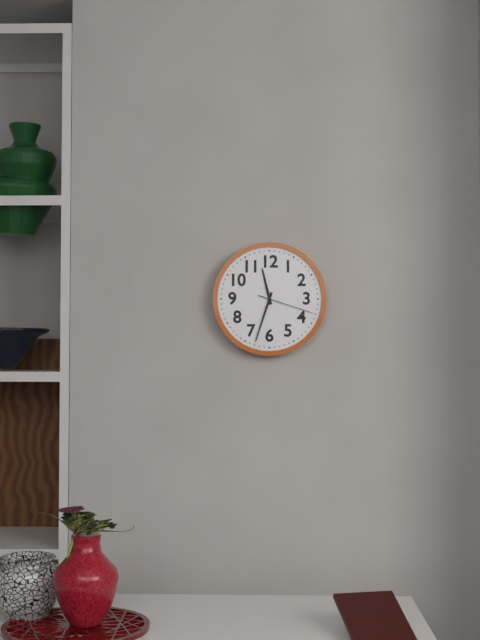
11:33:18
